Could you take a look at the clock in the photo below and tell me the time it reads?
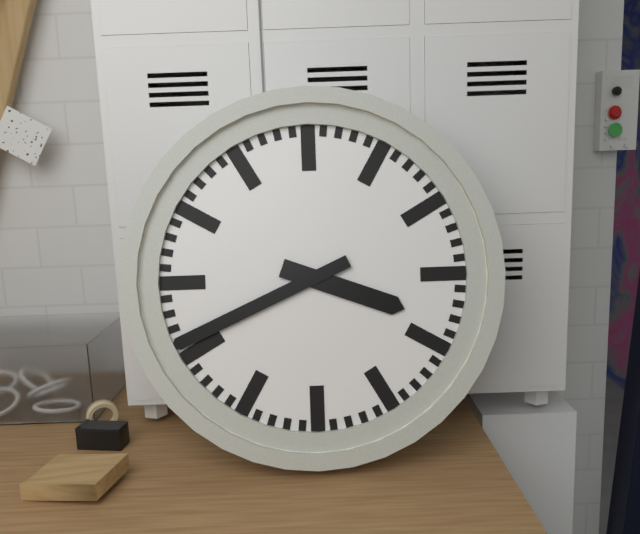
3:41
